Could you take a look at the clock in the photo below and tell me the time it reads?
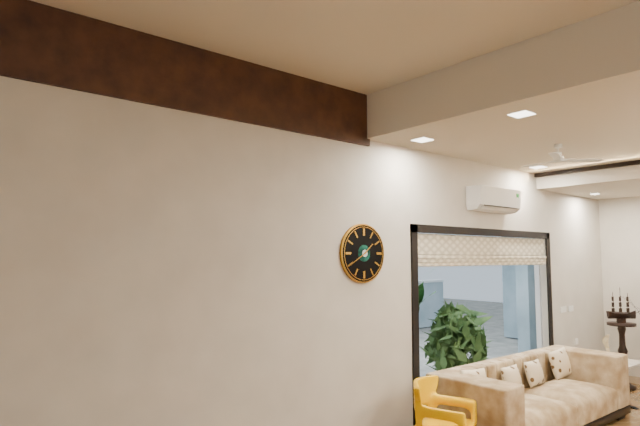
1:40
